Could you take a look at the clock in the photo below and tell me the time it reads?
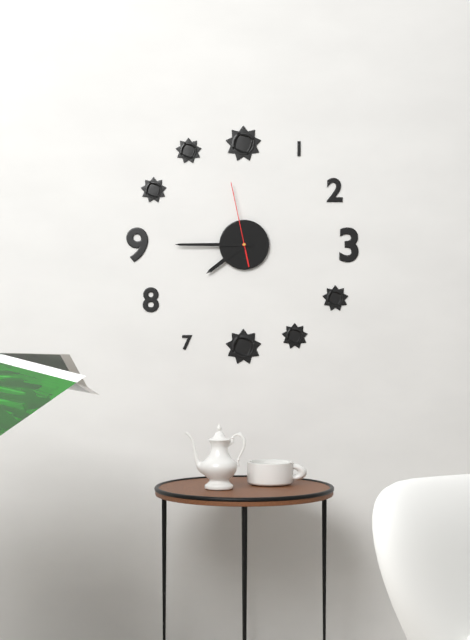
7:45:58
